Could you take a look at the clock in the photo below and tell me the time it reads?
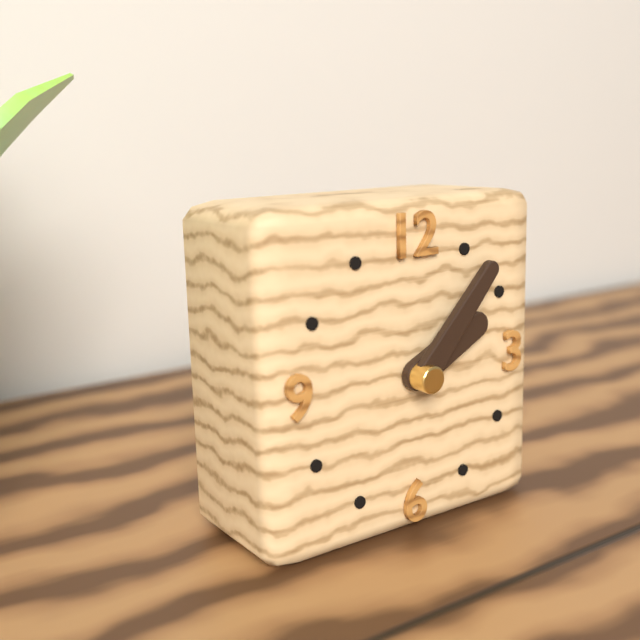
2:07
